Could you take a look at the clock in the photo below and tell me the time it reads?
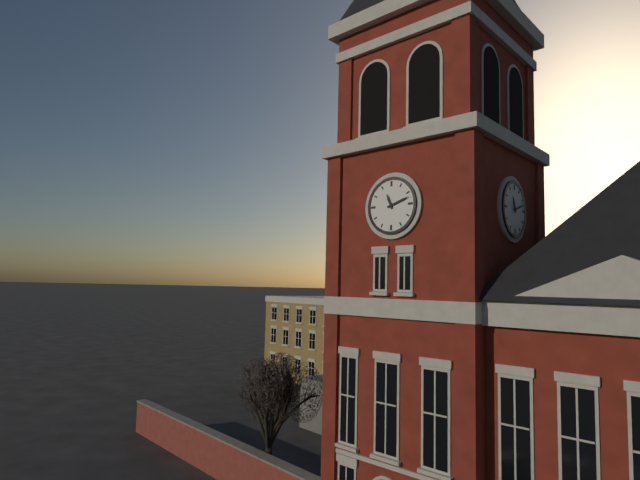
11:12
